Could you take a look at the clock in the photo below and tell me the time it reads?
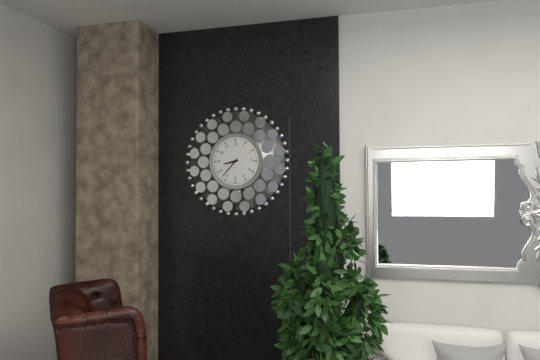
8:37
